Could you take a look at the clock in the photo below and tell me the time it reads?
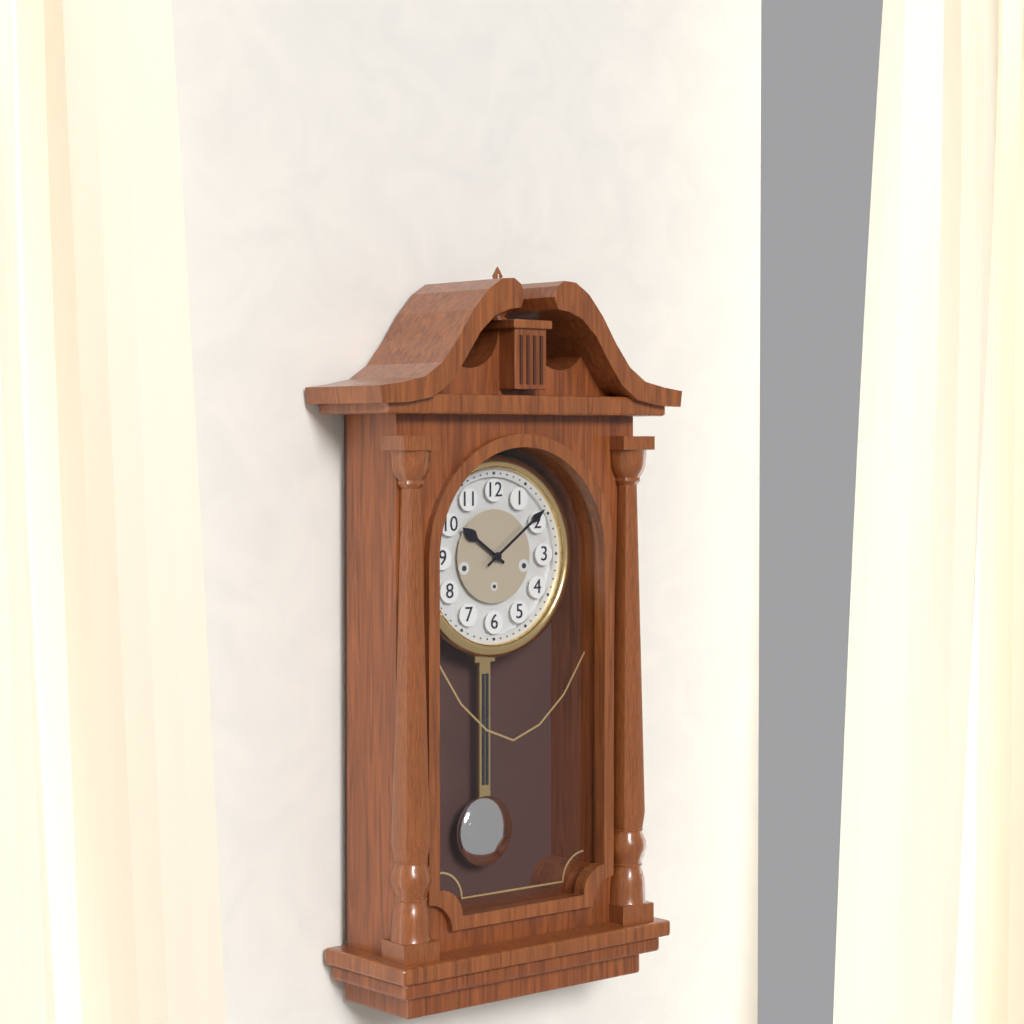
10:09
